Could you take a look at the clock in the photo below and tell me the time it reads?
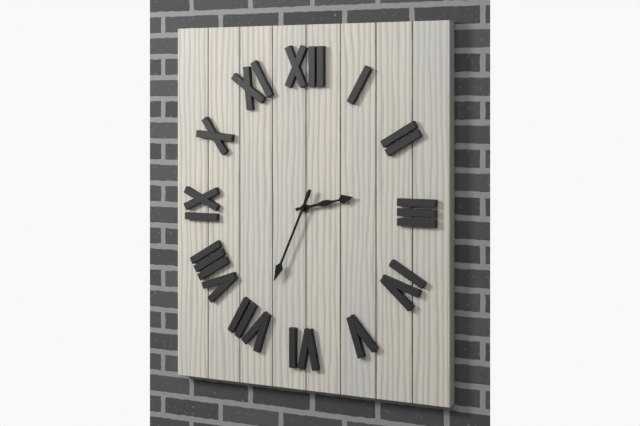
2:34
